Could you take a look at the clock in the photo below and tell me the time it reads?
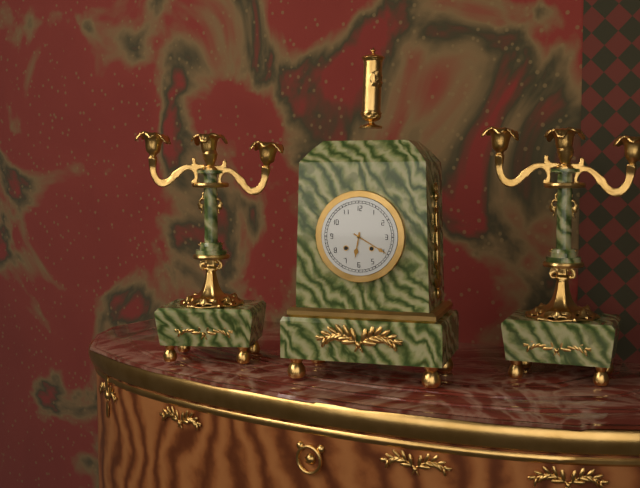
6:20
